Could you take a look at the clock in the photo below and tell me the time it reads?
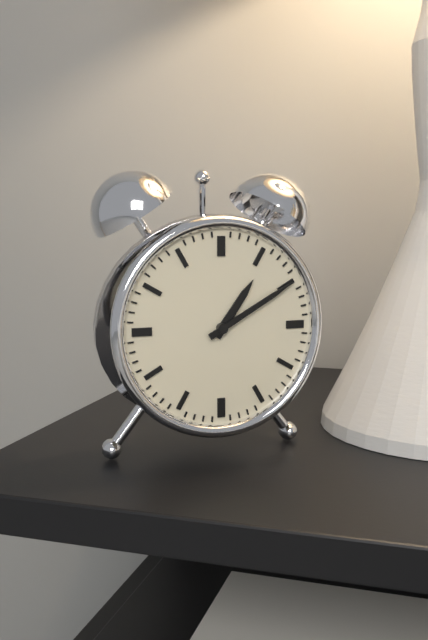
1:10
